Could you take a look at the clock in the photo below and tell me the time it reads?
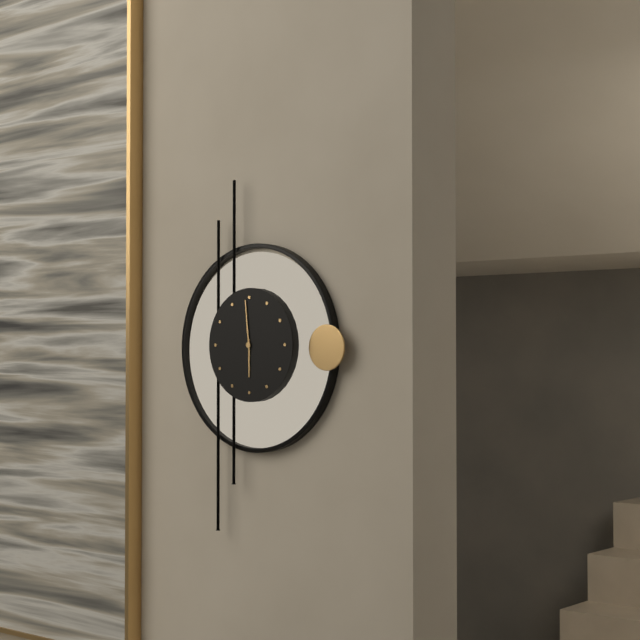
5:59
